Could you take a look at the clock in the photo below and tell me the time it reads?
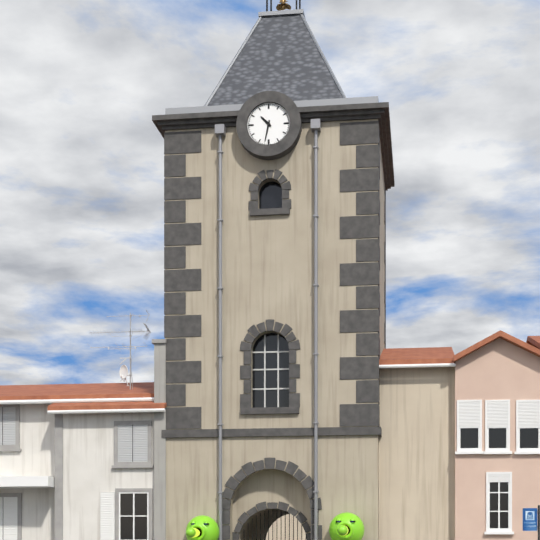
10:32
